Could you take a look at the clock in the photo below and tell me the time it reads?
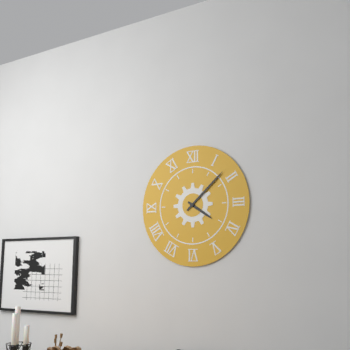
4:08
